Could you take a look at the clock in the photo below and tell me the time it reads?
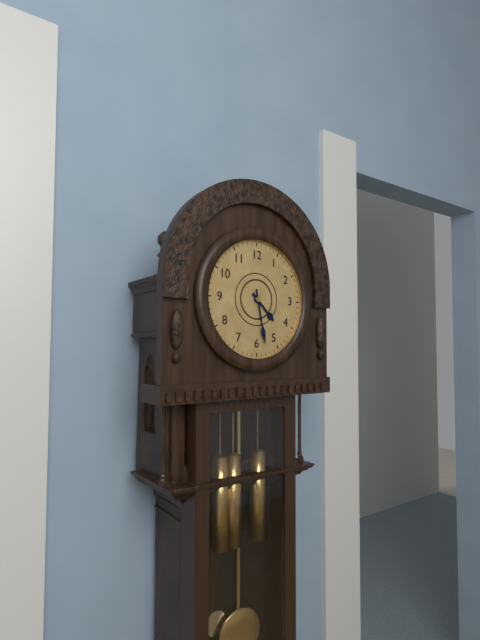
4:28
